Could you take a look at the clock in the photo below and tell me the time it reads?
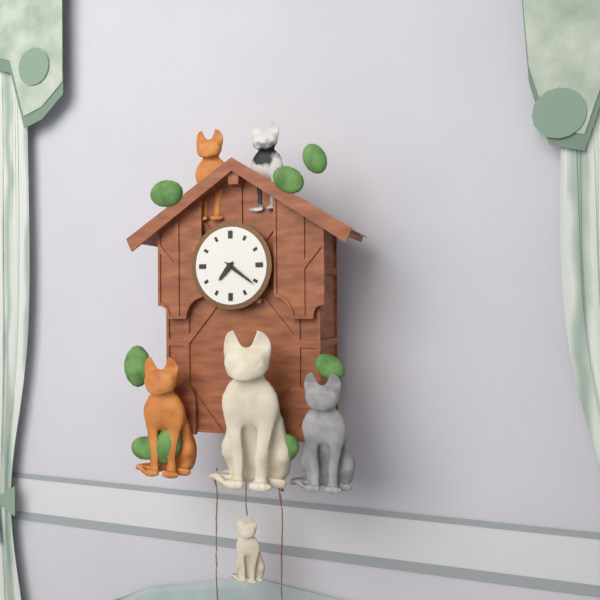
7:21
